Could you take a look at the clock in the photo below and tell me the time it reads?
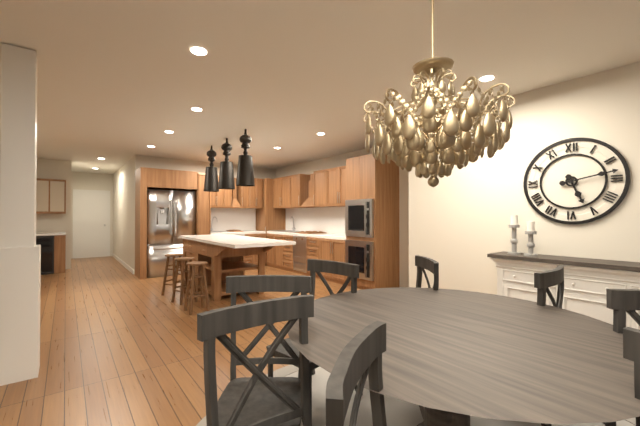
5:13
